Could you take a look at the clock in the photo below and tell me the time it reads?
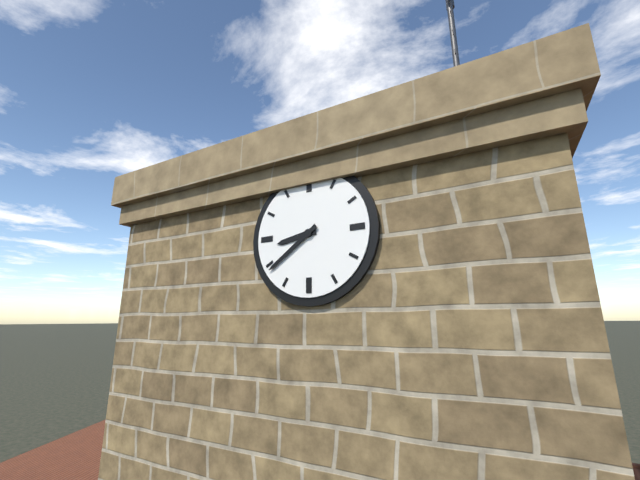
8:39
